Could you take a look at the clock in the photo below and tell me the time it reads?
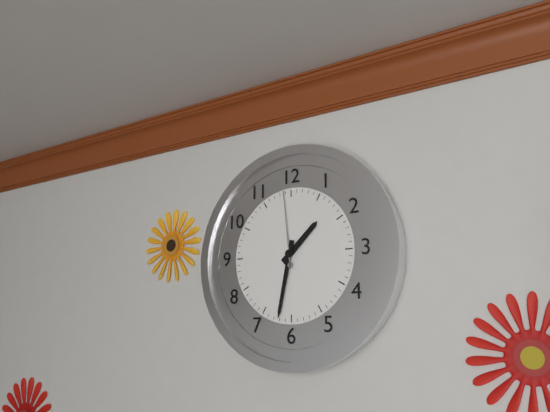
1:32:59
